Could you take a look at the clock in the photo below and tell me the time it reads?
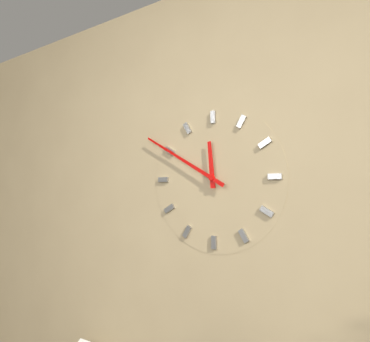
11:50
